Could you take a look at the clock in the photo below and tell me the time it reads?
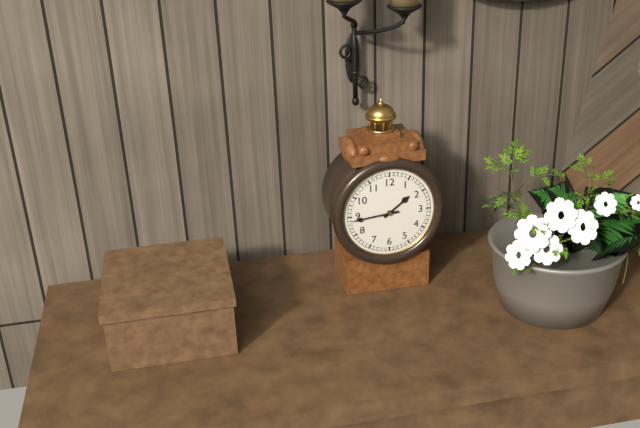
1:44
